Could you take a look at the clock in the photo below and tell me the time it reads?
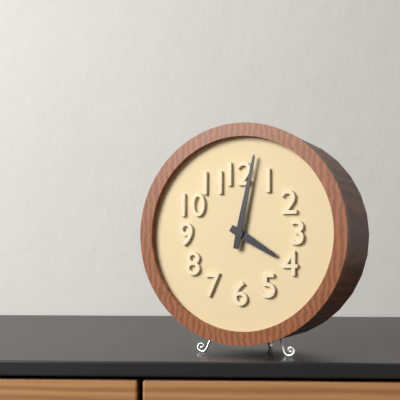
4:02
